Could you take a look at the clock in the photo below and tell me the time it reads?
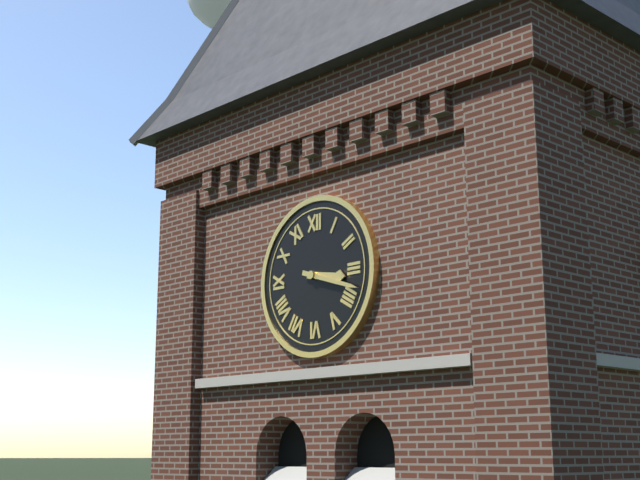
3:18
